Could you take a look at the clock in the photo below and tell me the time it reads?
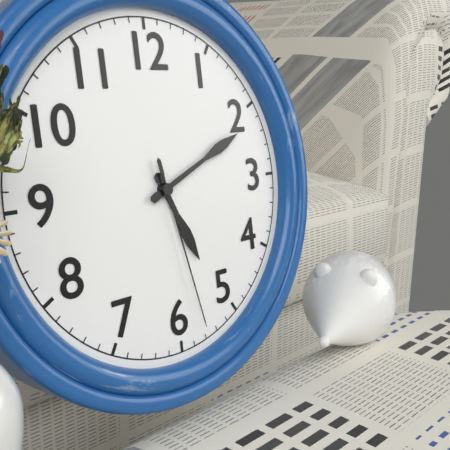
5:11:28
